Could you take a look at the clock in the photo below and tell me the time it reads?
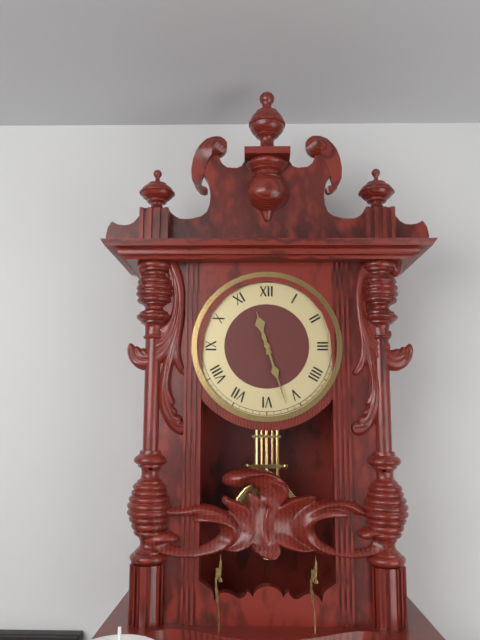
11:27
